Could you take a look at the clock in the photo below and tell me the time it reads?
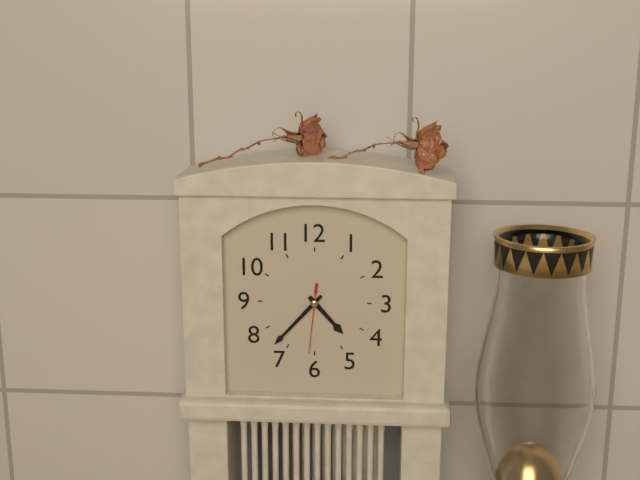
4:37:31
